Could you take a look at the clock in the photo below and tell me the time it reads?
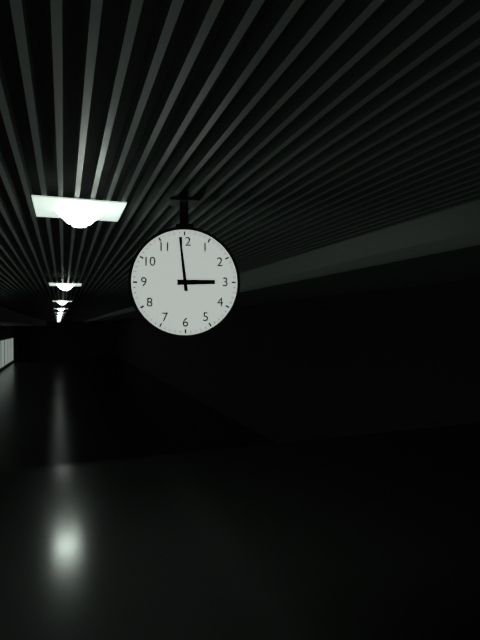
2:59
